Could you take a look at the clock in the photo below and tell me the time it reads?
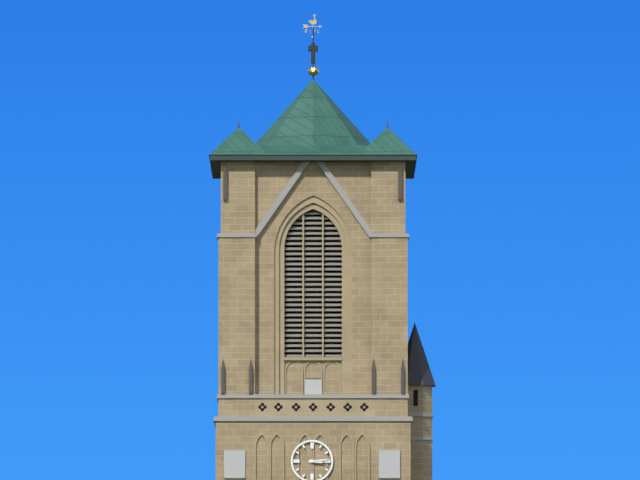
3:14
